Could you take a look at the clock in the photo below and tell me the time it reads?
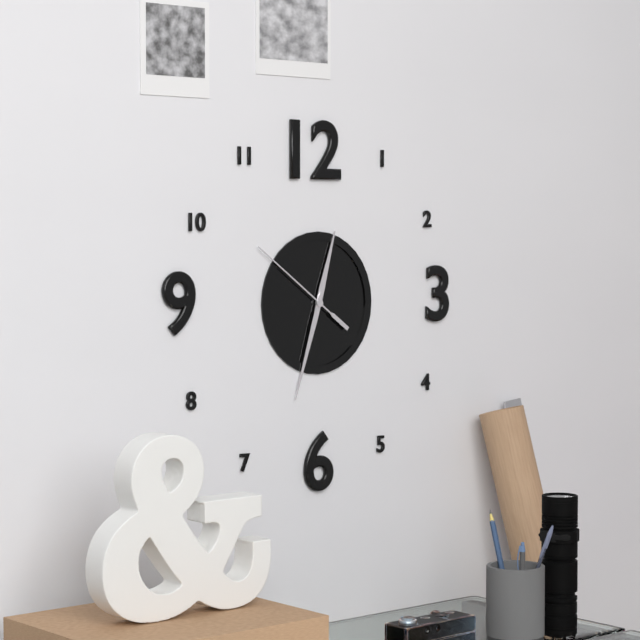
12:33:51
